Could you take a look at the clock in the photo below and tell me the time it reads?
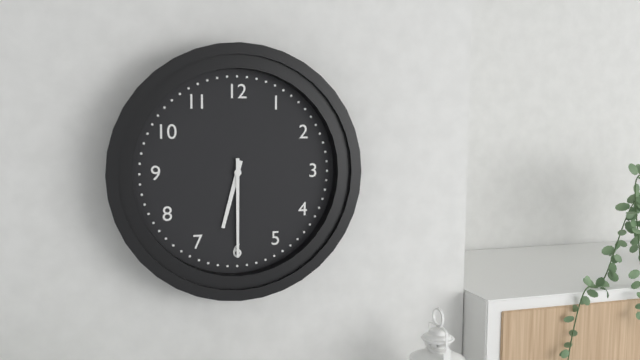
6:30
